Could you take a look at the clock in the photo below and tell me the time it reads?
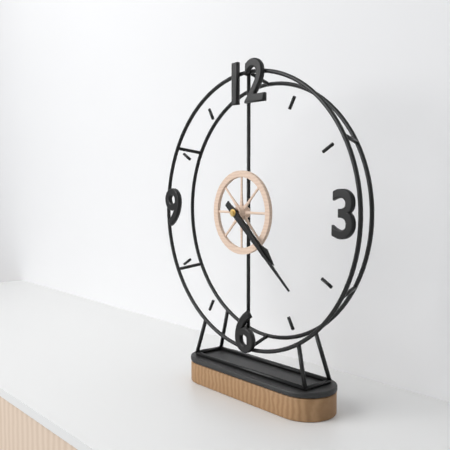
4:22
